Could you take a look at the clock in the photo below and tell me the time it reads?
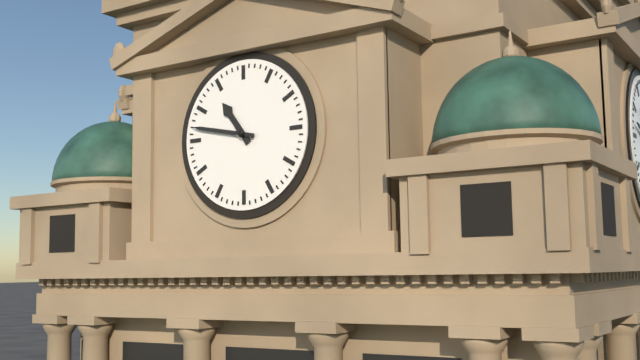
10:47
